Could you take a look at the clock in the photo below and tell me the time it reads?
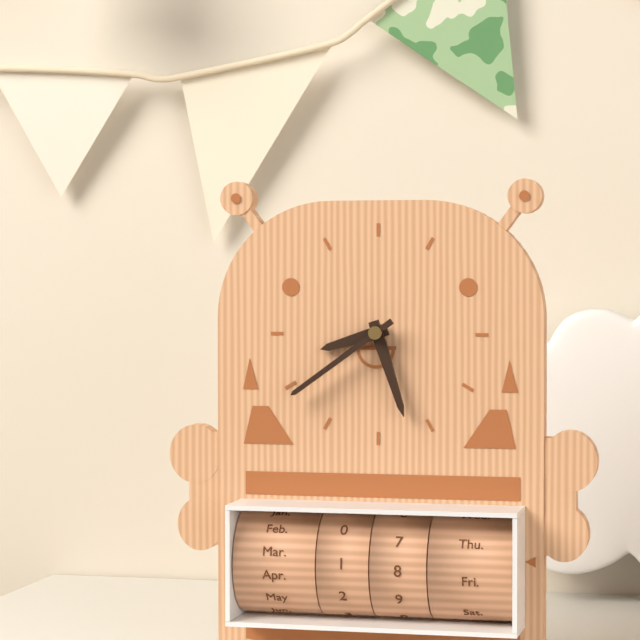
8:27:39
